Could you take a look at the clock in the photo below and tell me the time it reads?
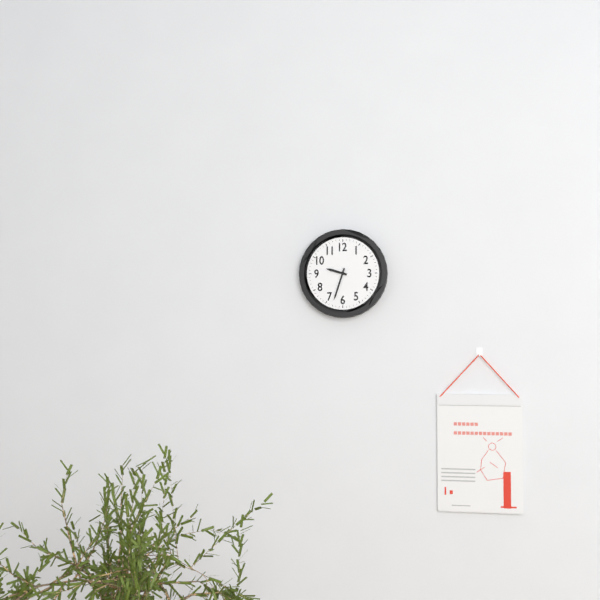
9:33
